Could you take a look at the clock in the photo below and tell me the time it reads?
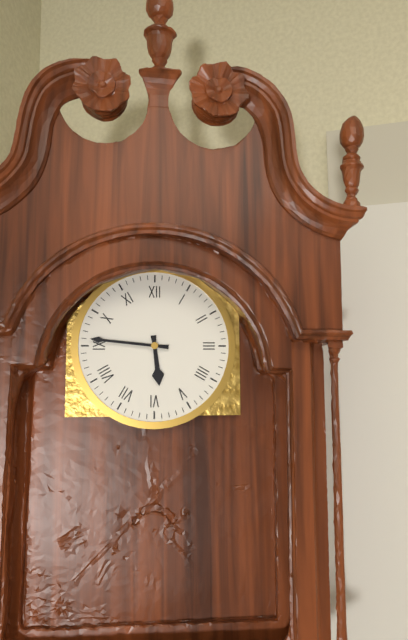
5:46
